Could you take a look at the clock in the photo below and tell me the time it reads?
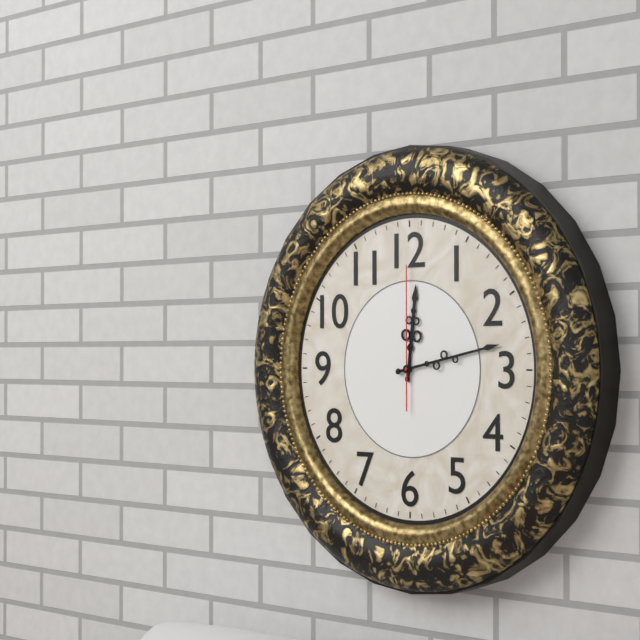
12:13:00
